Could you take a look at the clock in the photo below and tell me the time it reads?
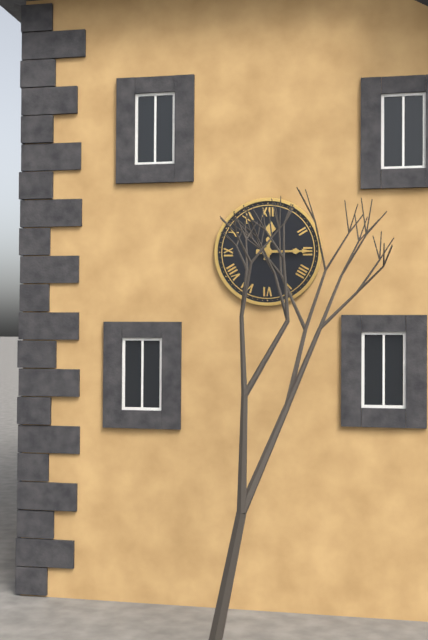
12:15
